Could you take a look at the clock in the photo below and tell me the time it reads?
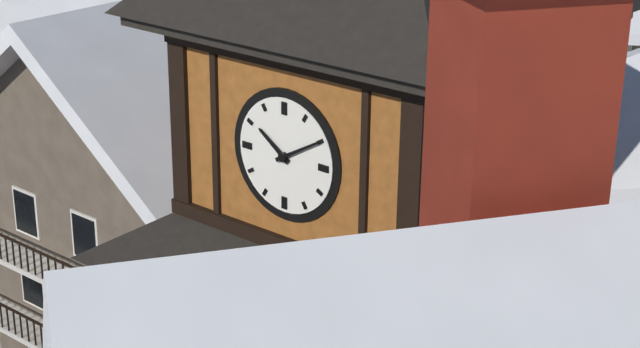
10:10
